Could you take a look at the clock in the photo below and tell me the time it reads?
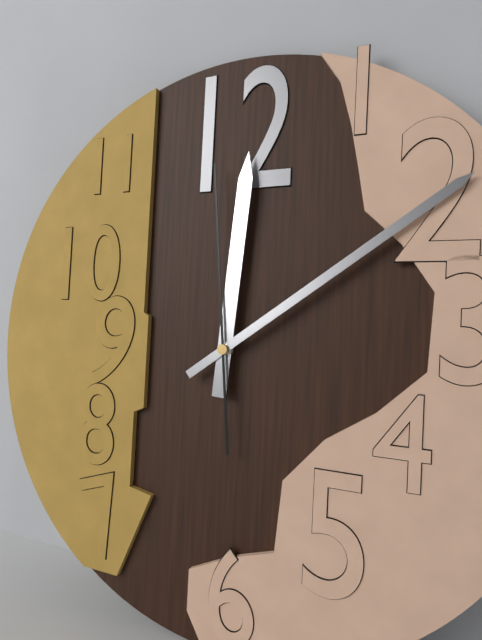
12:09:59
